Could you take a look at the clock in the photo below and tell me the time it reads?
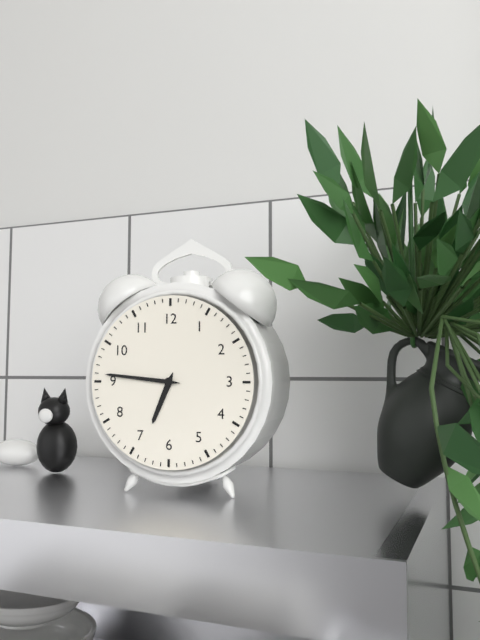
6:46
